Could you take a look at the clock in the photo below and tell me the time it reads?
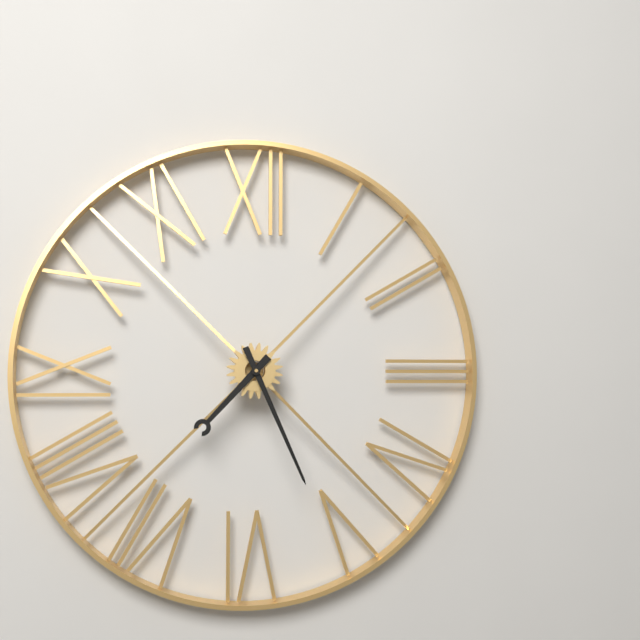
7:26
